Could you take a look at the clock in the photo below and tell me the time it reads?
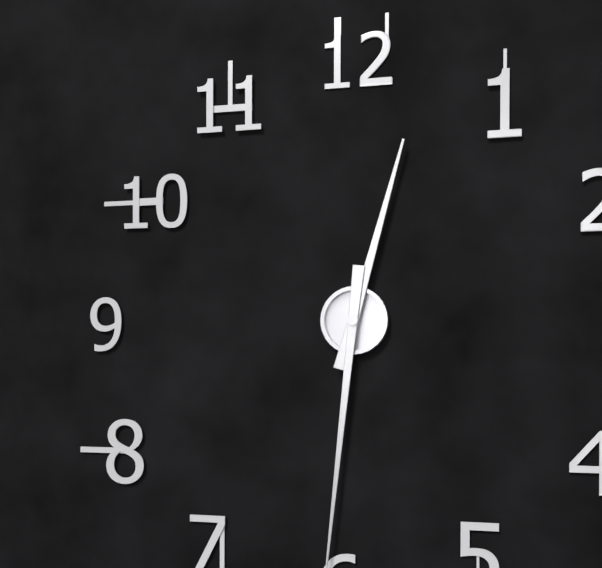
12:31
